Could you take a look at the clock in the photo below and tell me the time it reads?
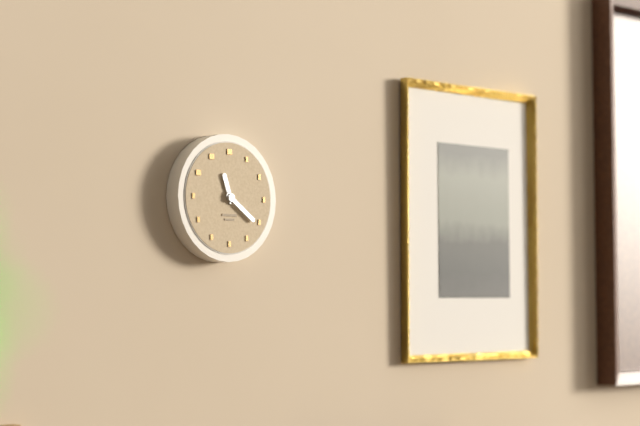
11:21
